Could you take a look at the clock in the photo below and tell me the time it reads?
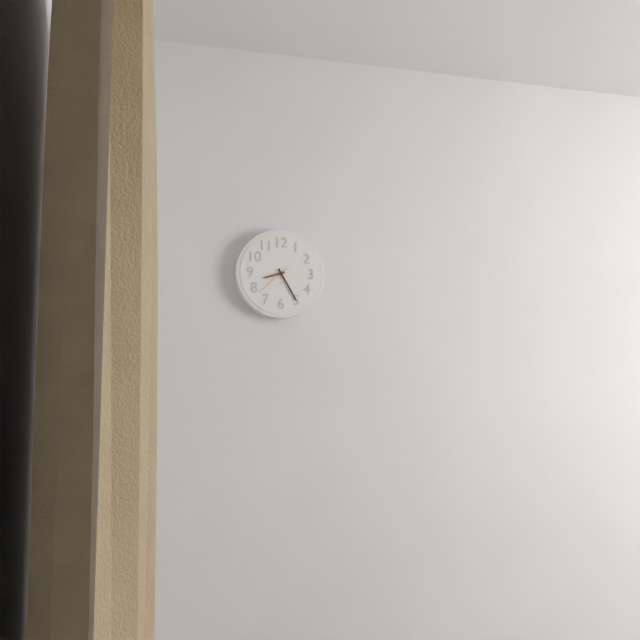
8:25
